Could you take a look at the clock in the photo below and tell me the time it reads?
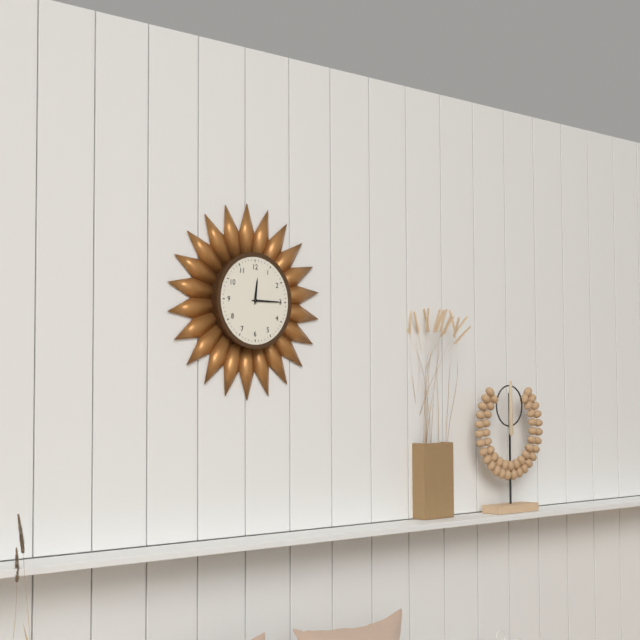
12:15
